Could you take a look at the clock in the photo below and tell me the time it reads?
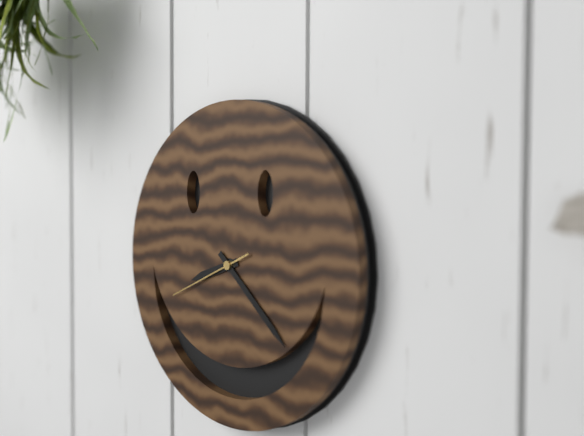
8:22:41
